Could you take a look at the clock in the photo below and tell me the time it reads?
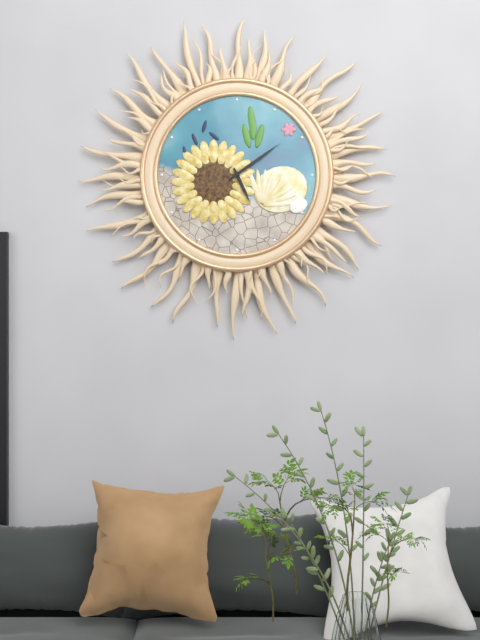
5:09
